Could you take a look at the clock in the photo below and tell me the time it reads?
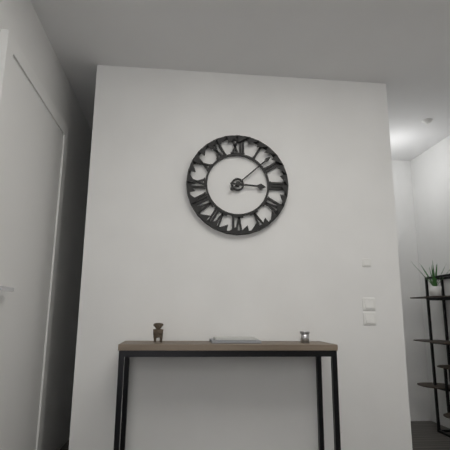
3:08
